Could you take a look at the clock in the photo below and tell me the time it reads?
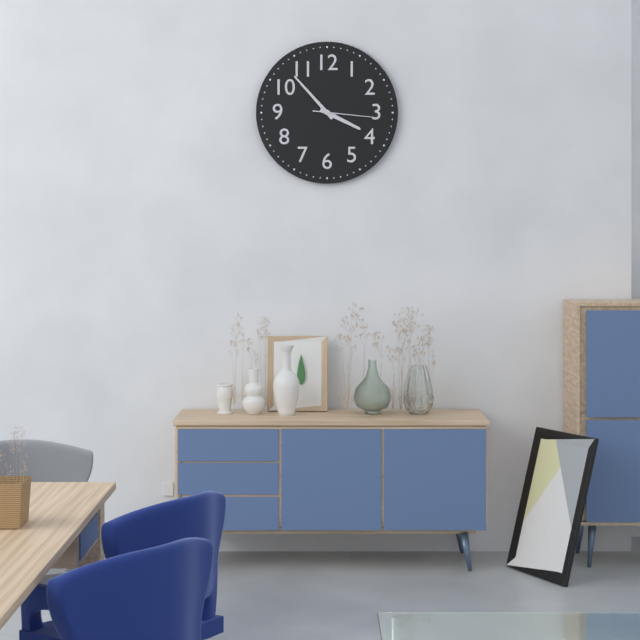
3:53:16
